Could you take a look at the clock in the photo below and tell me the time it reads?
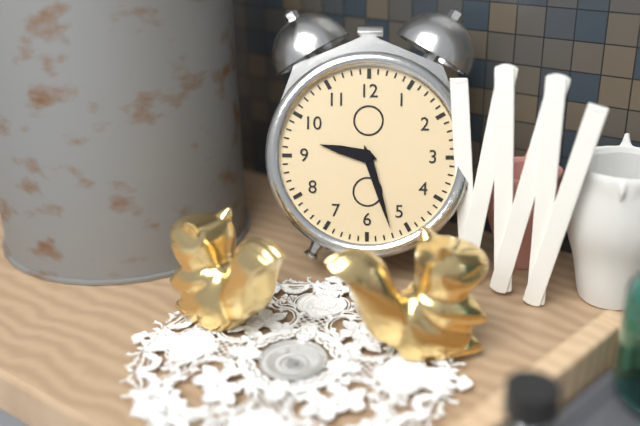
9:27
